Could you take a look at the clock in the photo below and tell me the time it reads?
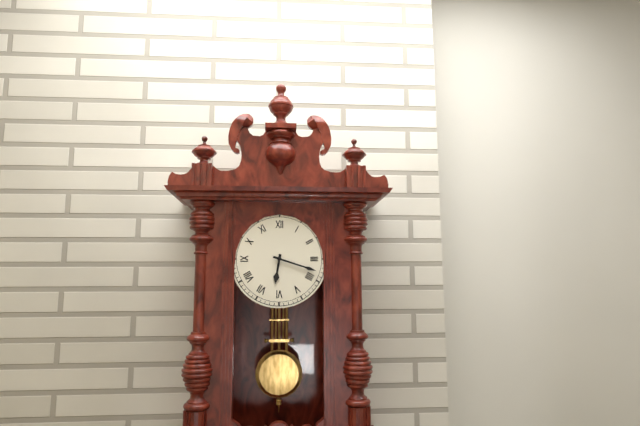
6:18
